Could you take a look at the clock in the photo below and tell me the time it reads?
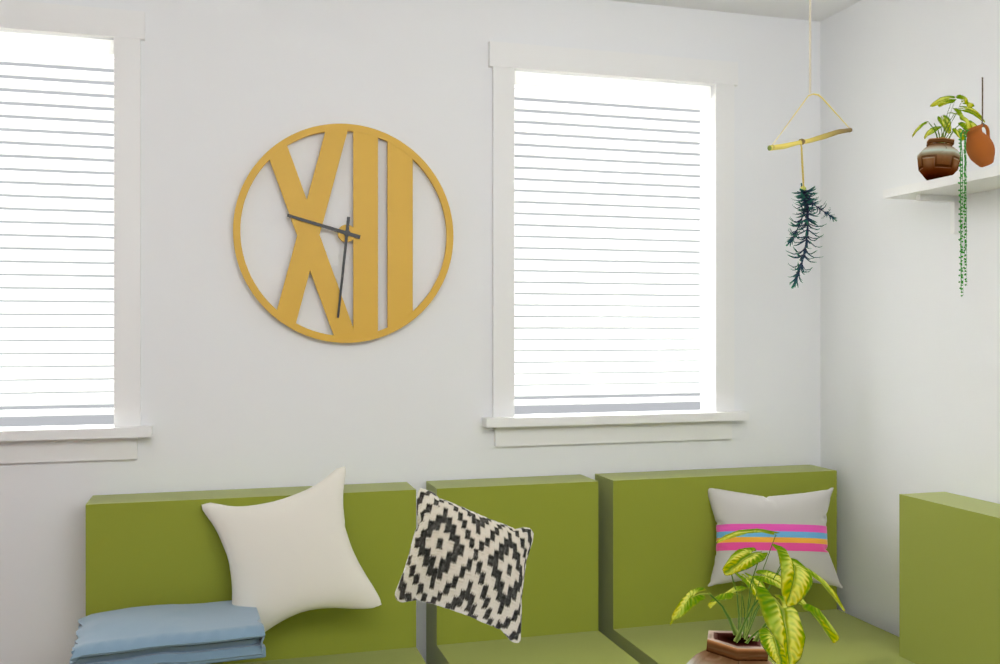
9:31
